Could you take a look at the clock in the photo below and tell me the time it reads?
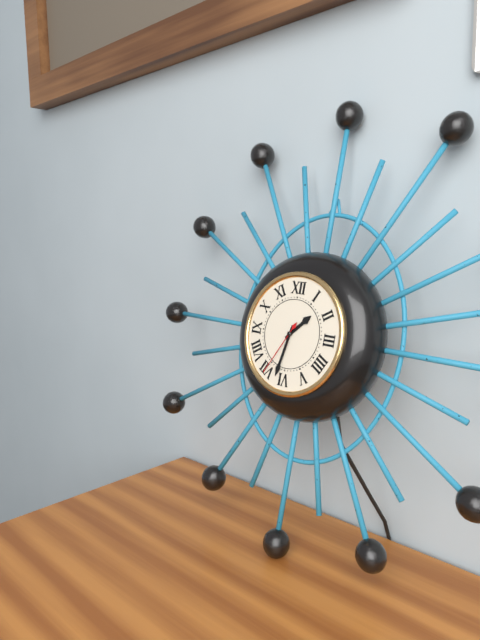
1:32:35
